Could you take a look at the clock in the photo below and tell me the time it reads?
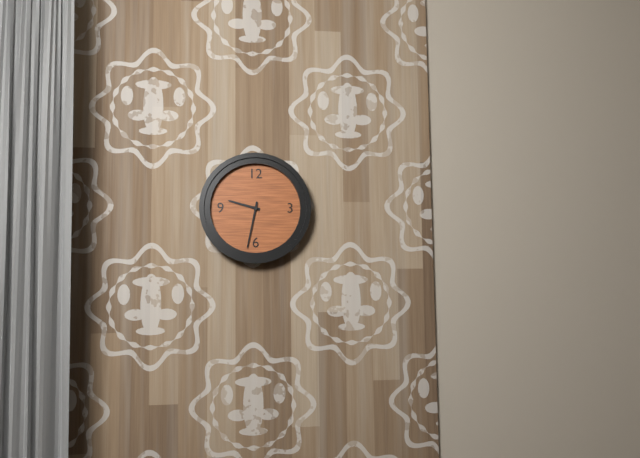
9:32
